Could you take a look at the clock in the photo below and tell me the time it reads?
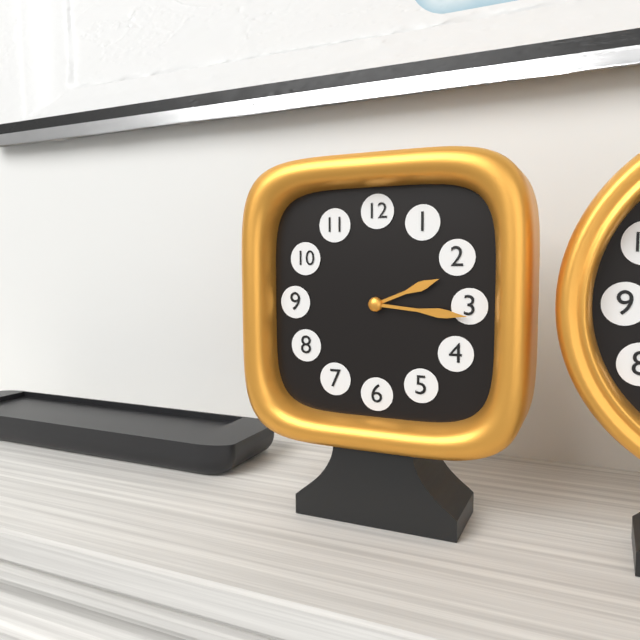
2:16
